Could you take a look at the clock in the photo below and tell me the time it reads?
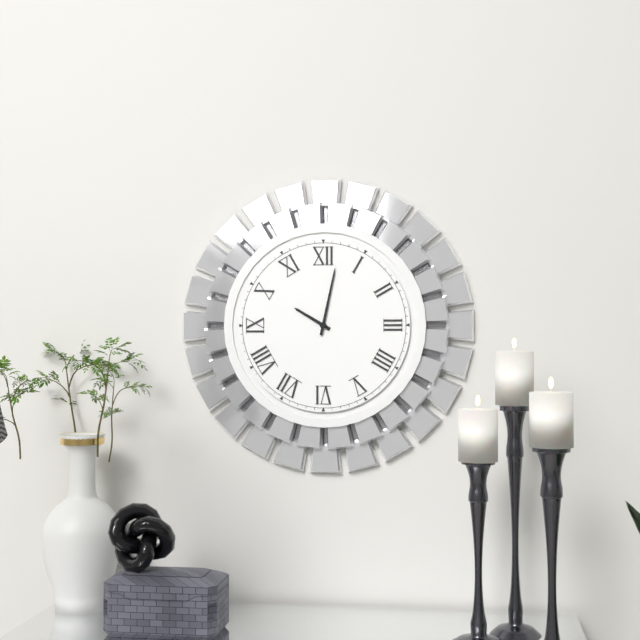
10:02
